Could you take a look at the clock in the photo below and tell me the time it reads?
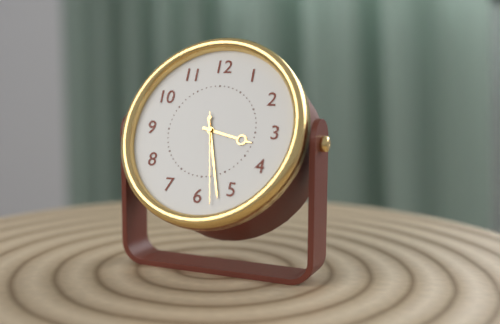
3:27:28
